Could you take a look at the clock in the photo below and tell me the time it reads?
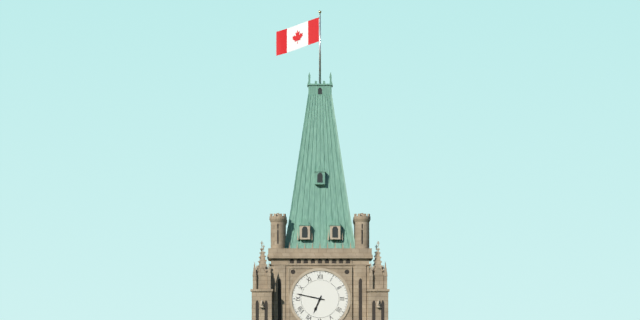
6:47
